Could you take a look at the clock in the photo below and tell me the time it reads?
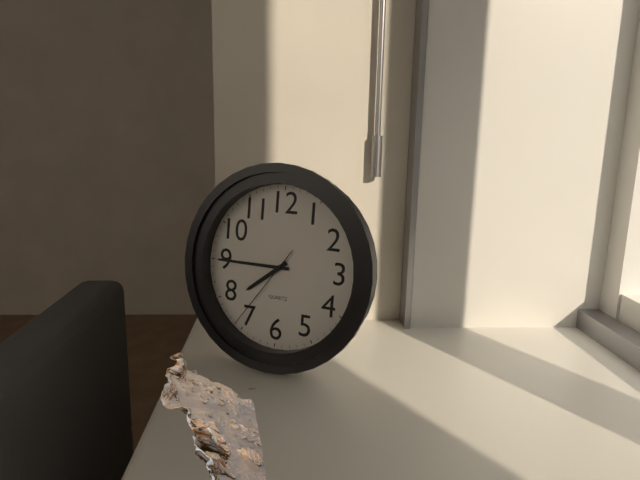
7:45:36
